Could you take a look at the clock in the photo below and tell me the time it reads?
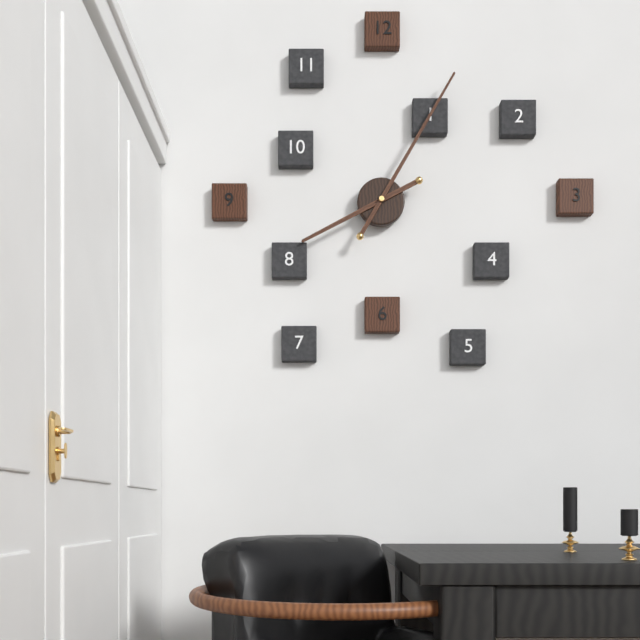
8:05
